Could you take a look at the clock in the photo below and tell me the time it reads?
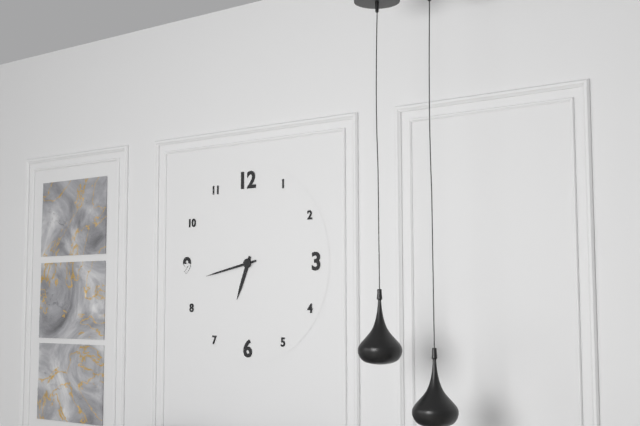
6:43
